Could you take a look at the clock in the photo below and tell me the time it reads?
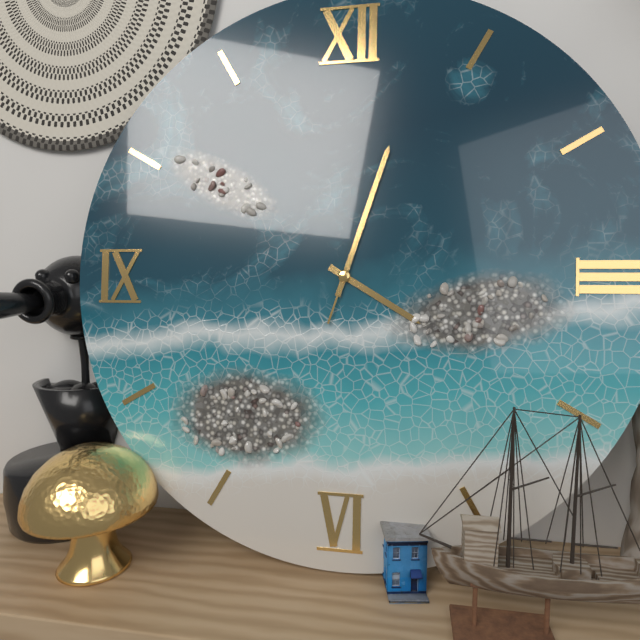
4:03:03
